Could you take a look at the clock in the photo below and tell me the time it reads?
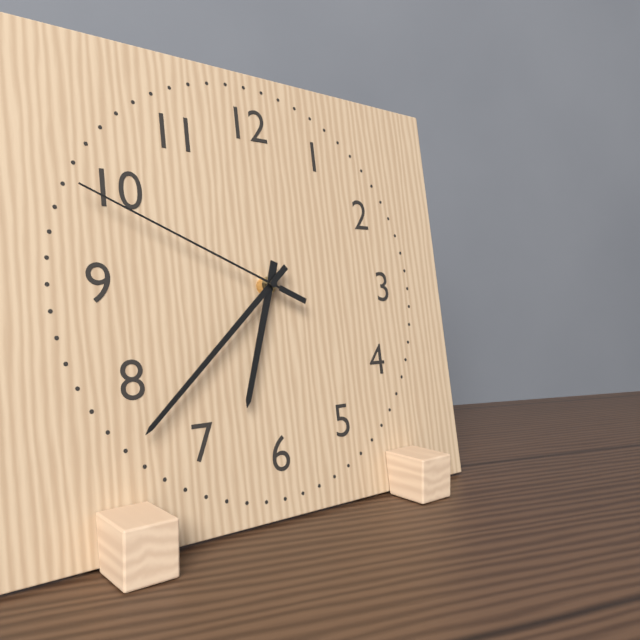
6:38:49
